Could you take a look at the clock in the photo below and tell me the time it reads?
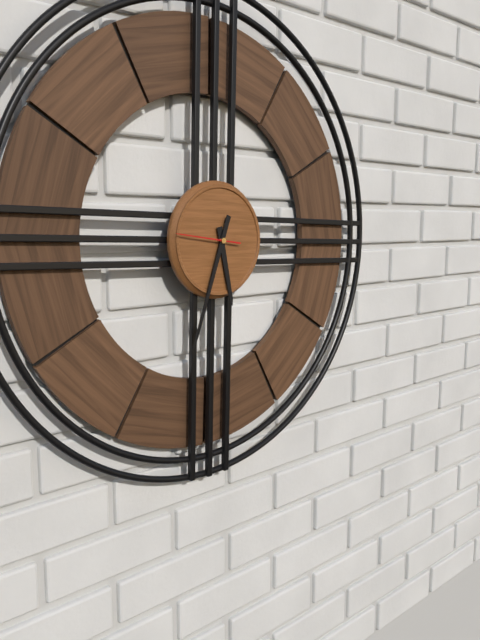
5:33
